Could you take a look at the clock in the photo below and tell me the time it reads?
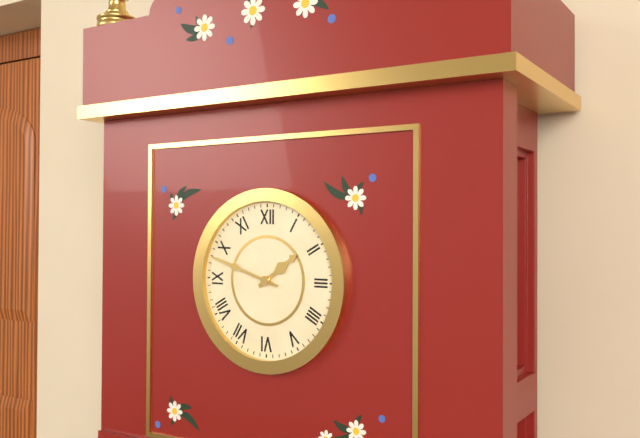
1:48
